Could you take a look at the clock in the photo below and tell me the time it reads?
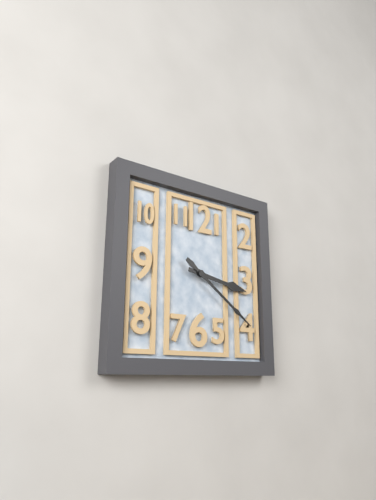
3:21
